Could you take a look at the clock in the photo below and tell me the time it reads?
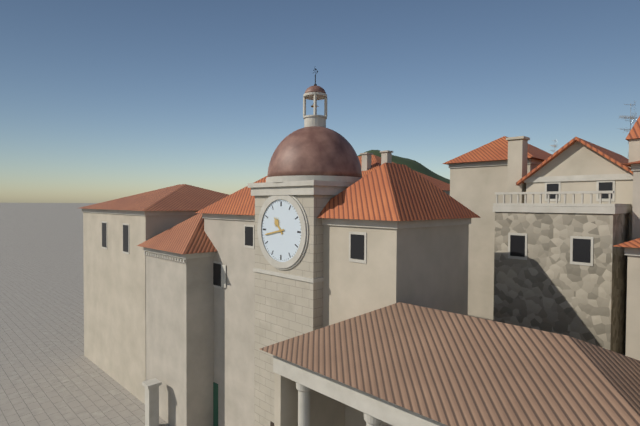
10:43
